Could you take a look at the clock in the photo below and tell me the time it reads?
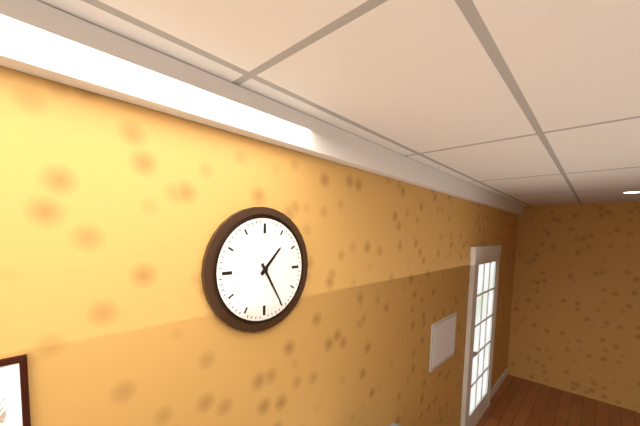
1:25
